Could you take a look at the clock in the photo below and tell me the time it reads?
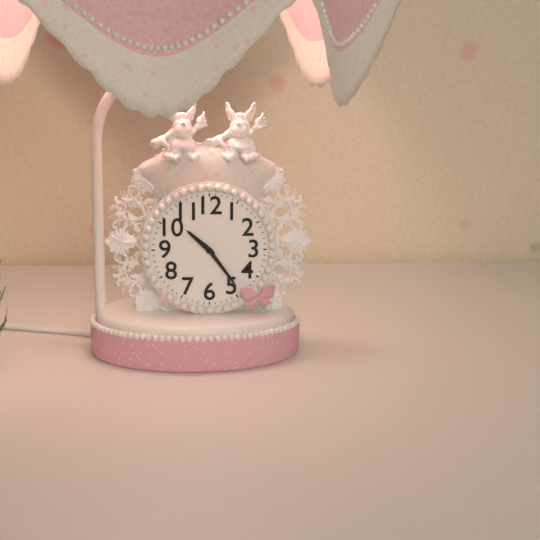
10:24
